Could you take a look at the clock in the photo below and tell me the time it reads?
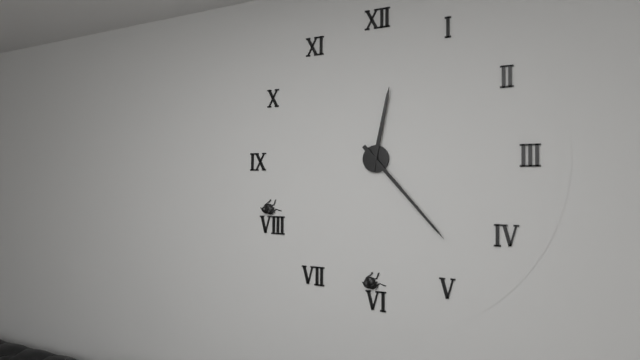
12:23
